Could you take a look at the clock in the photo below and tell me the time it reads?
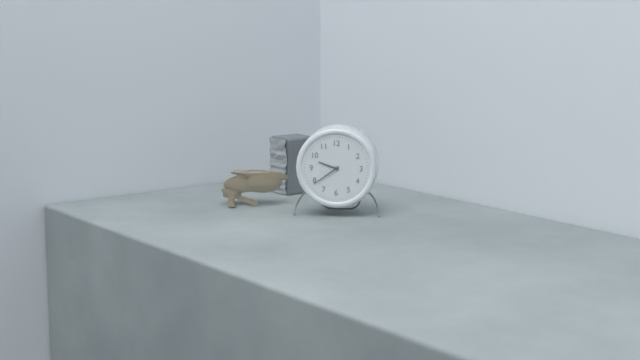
9:39
